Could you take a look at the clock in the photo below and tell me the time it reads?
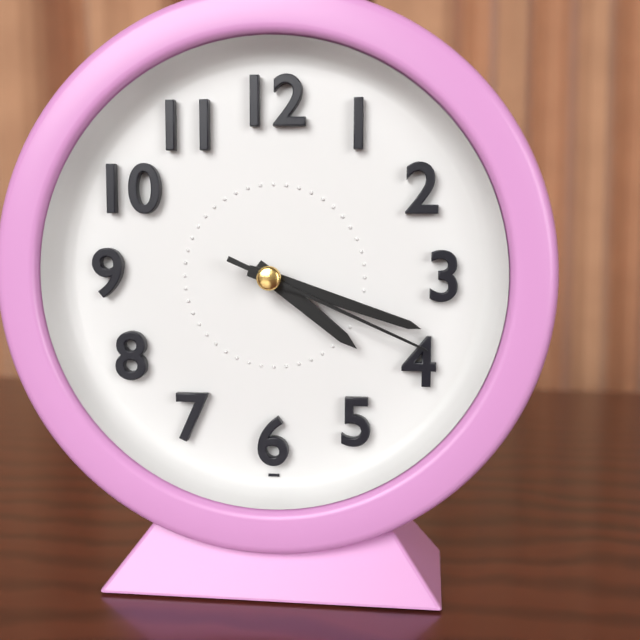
4:18:19
